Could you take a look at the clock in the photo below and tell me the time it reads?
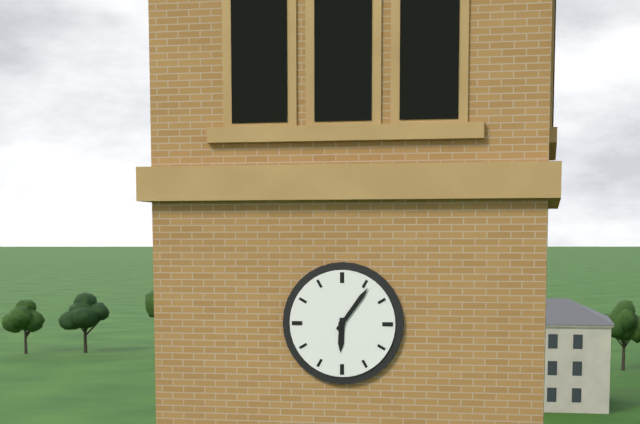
6:06
